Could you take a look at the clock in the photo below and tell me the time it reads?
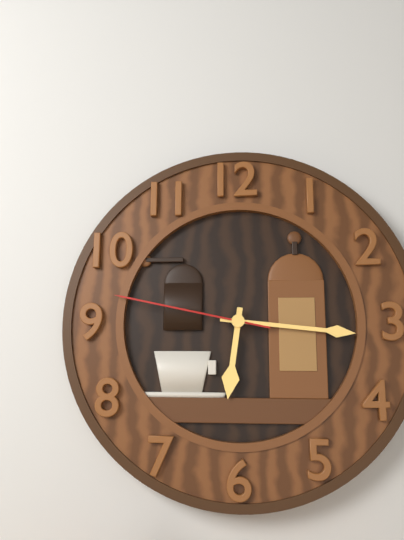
6:16:47
